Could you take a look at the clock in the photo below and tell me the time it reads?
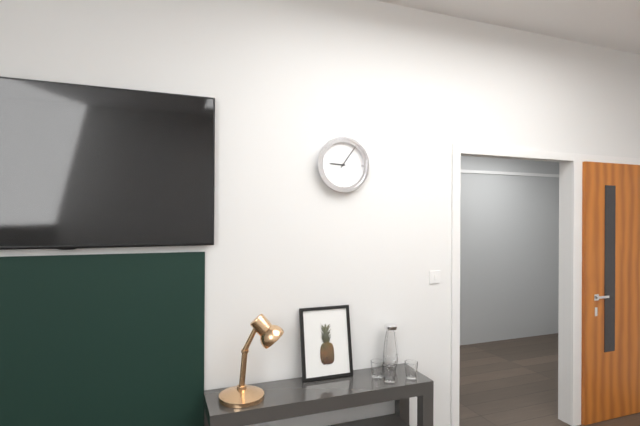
9:06
